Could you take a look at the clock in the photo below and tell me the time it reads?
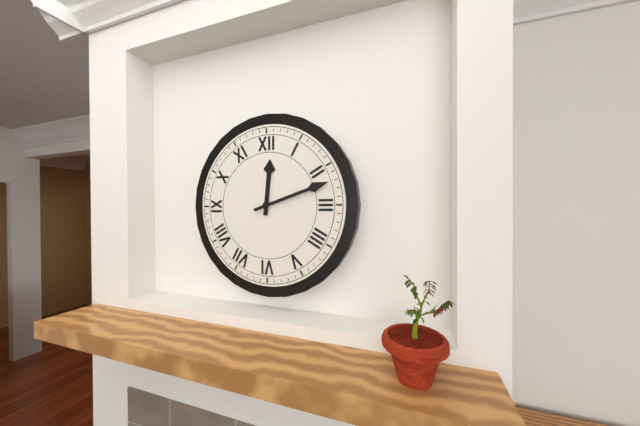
12:12
